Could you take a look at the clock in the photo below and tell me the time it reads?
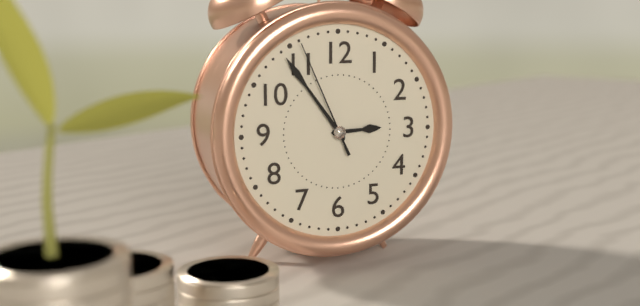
2:54:56
